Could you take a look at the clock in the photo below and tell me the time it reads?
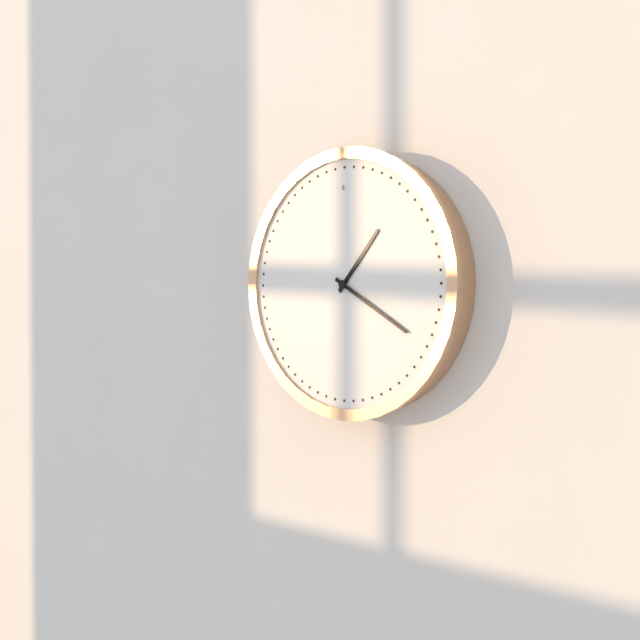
1:20
